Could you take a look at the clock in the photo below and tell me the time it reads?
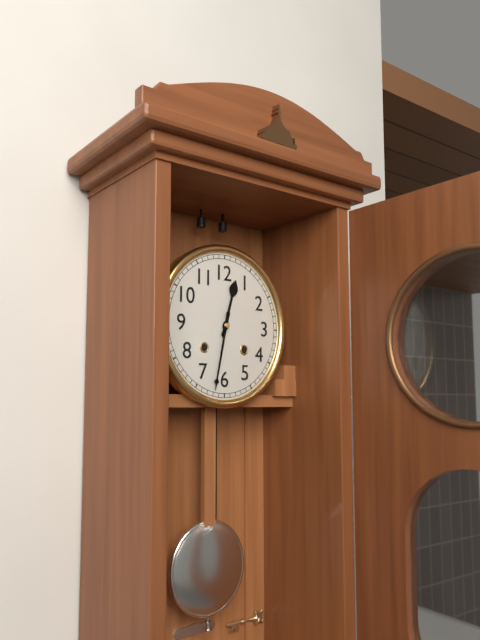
12:32
